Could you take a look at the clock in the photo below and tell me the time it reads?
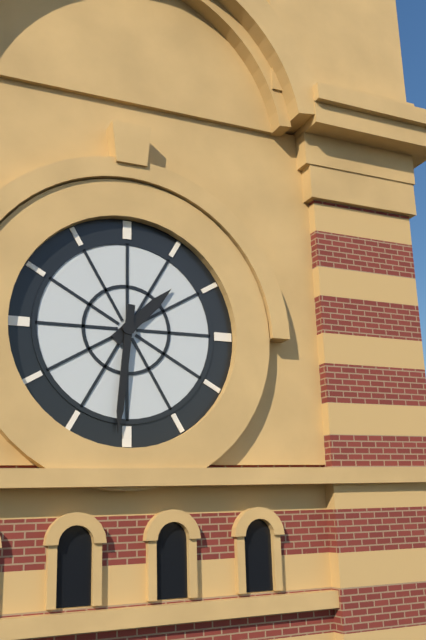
1:31
